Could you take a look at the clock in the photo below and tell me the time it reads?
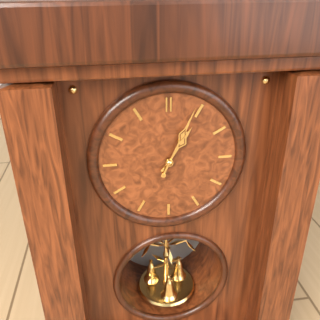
1:04
